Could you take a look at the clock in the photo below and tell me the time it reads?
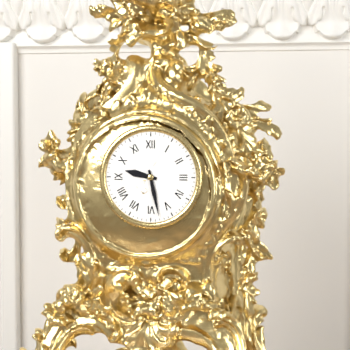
9:28
